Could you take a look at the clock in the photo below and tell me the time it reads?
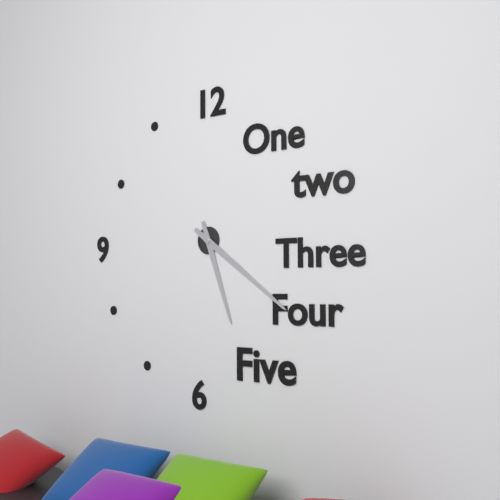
5:21
